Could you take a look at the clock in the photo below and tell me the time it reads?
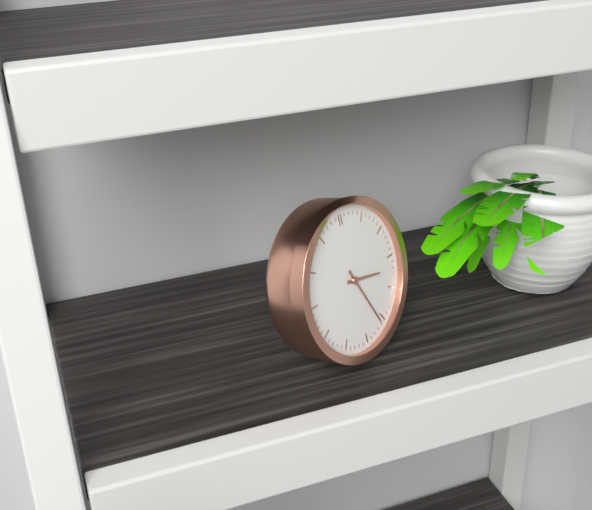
3:26
